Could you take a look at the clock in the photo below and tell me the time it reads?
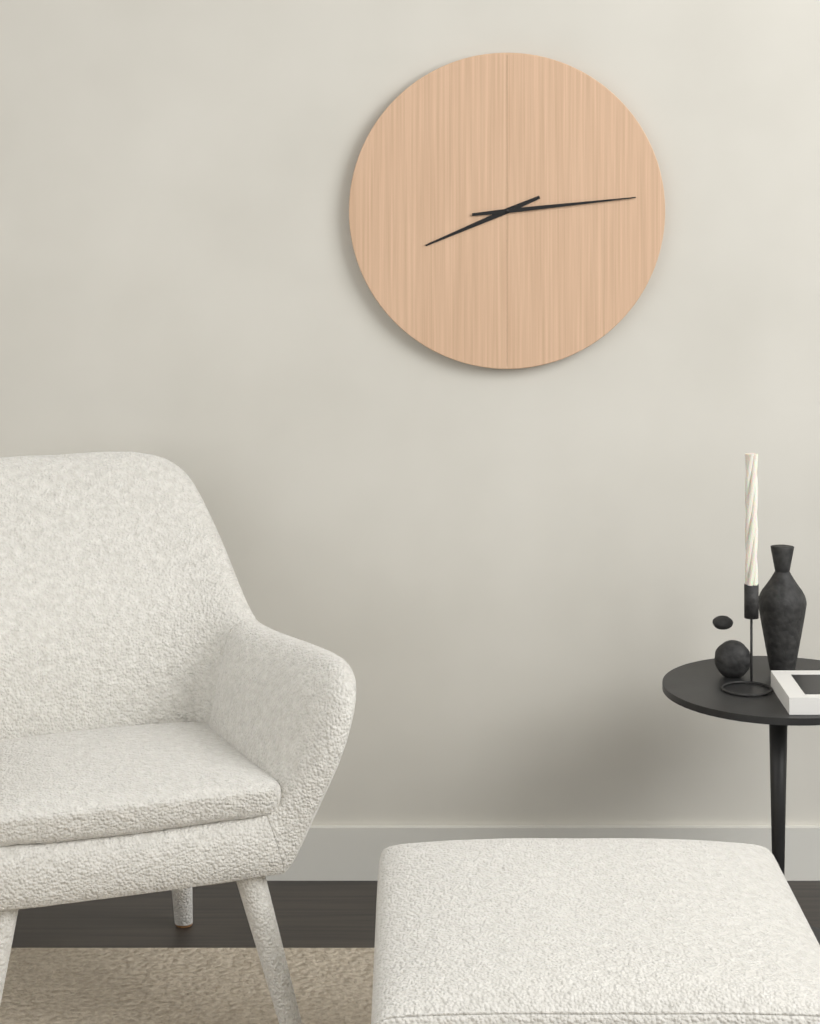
8:14
